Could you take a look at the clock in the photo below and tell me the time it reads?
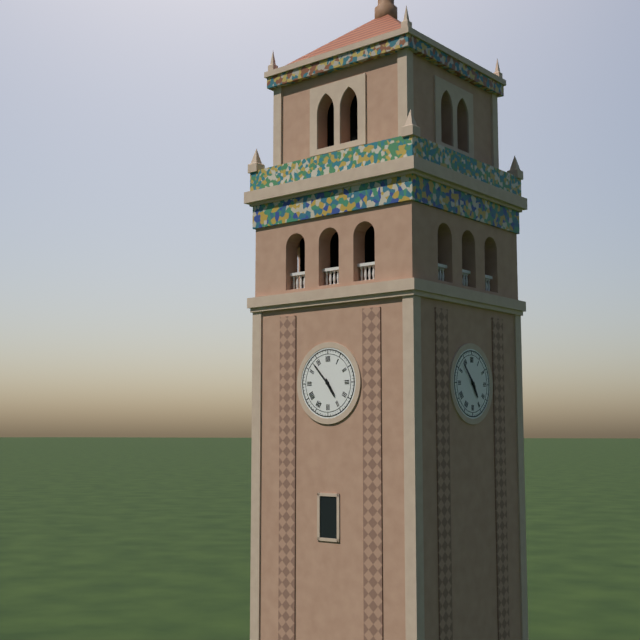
4:53
